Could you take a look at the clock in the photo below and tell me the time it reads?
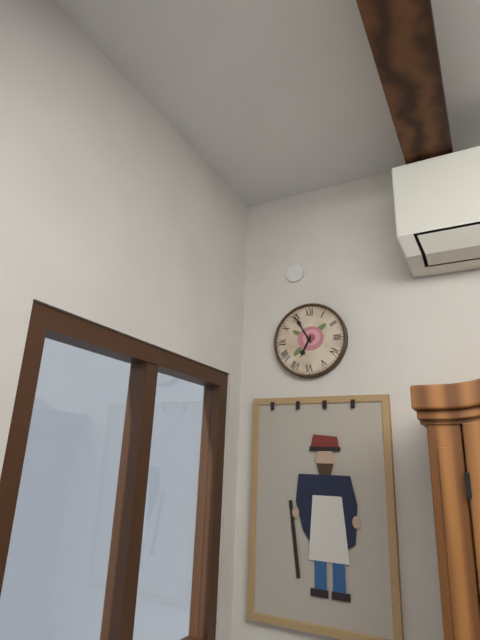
6:55
